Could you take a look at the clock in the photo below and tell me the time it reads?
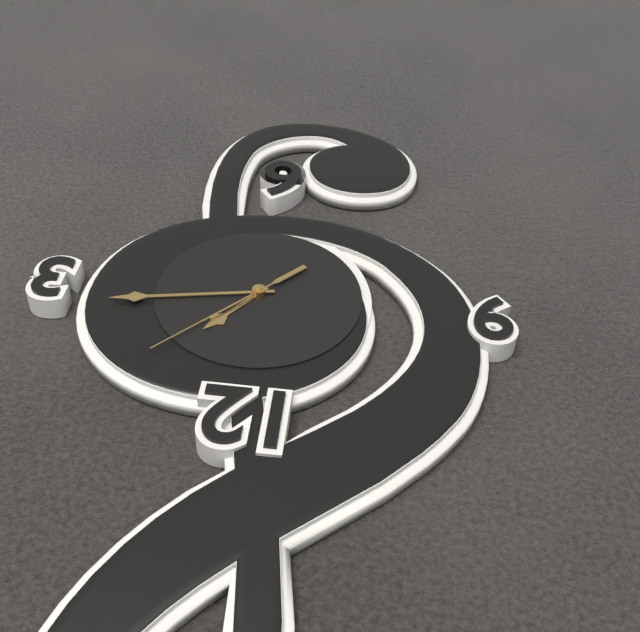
1:13:07
